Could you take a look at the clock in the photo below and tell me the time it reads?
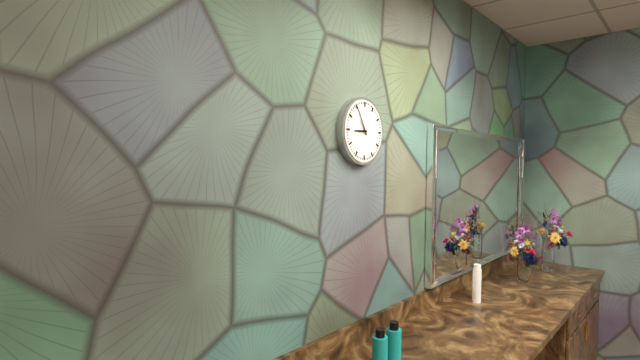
8:55
